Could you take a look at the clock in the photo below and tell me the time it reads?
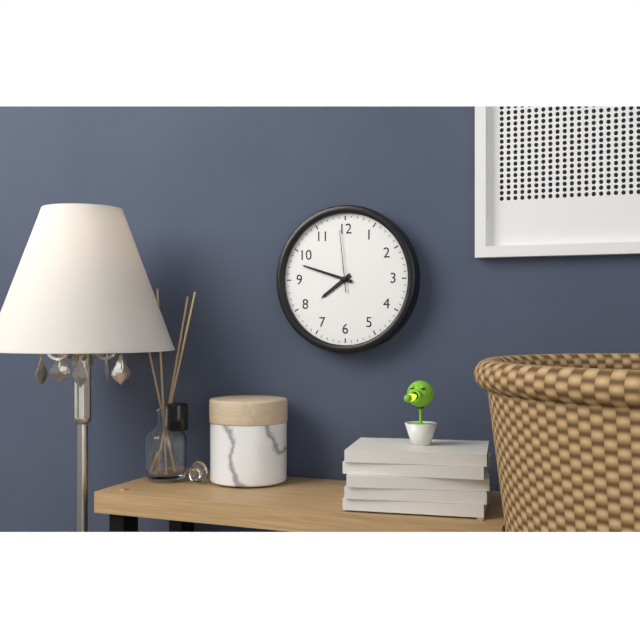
7:48:59
